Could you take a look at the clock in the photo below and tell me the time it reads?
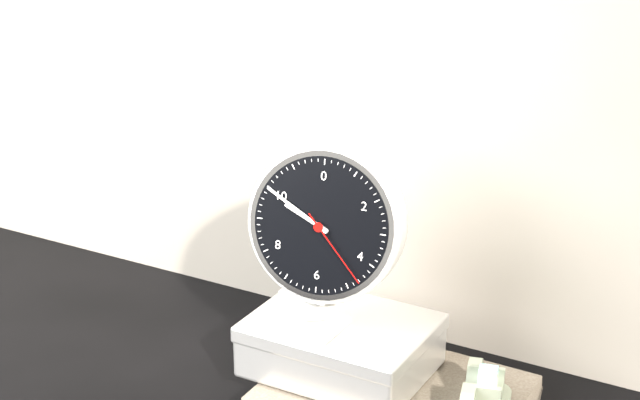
9:50:23
